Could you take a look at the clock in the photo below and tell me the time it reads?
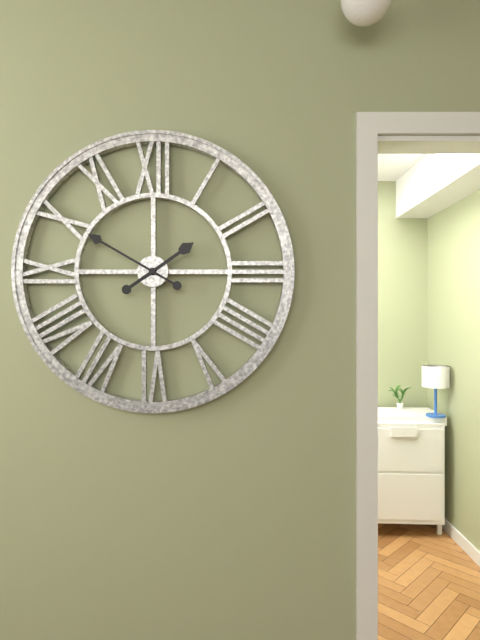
1:50
